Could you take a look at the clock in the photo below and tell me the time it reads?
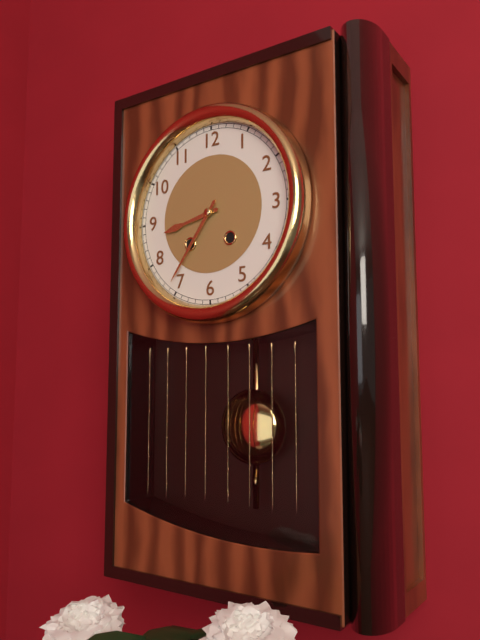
8:36
